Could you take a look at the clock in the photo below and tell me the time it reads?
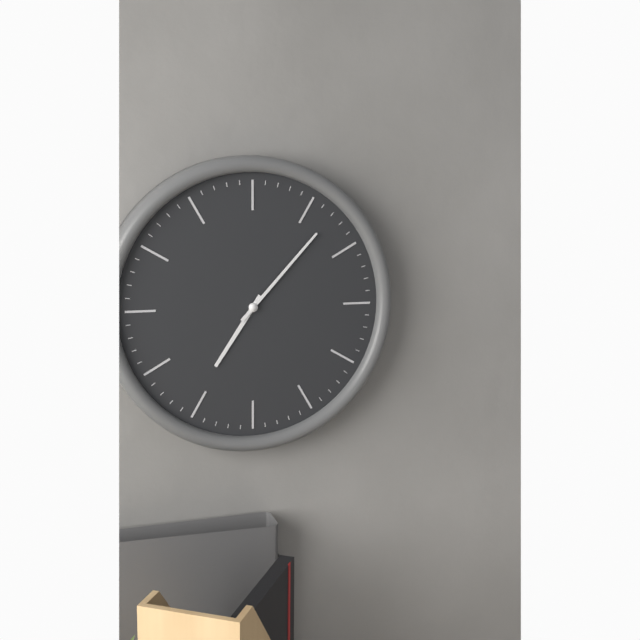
7:07
